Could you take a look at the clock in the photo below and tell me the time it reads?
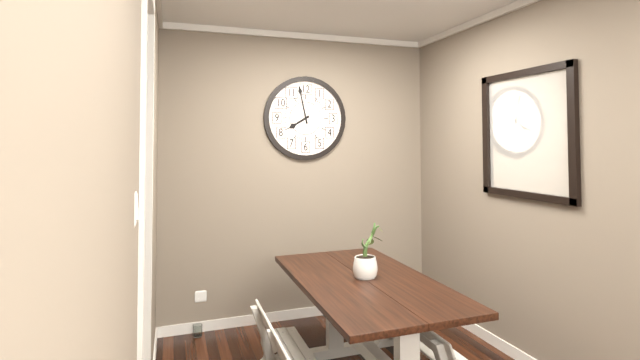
7:58
